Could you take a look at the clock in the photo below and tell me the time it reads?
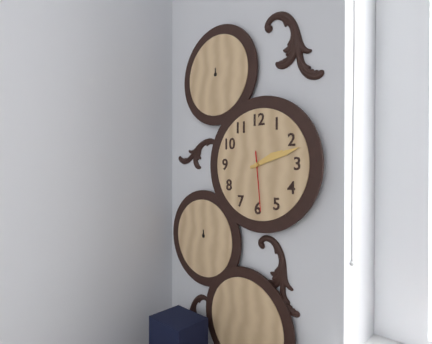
2:12:29
